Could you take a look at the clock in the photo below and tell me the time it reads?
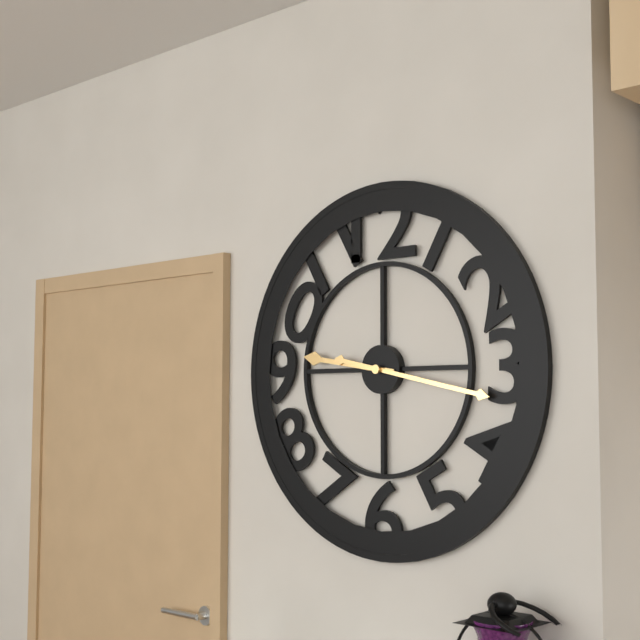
9:17
